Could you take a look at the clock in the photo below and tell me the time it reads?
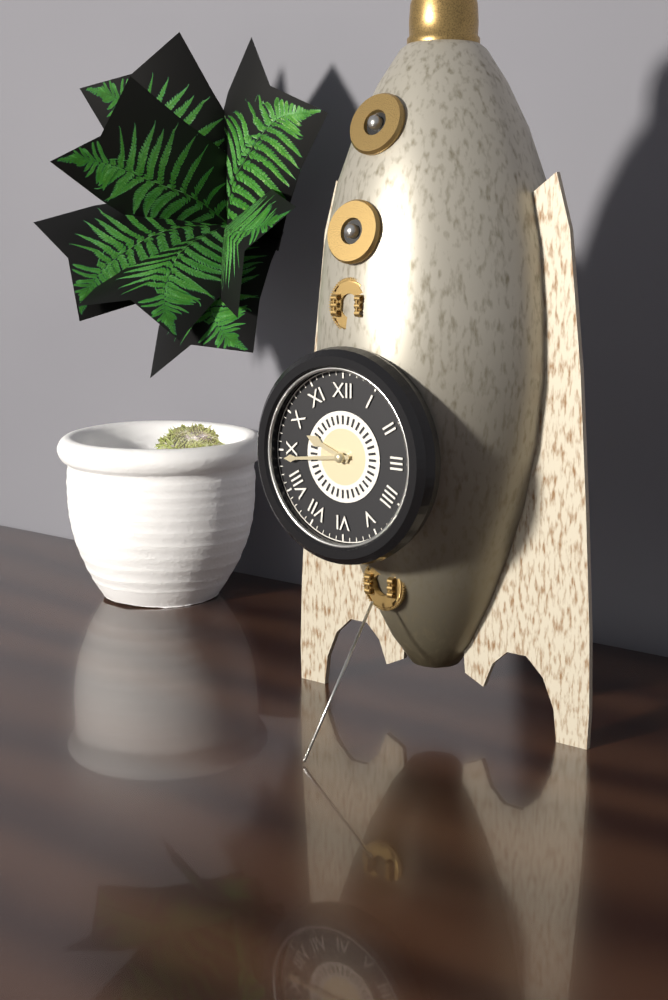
9:44
